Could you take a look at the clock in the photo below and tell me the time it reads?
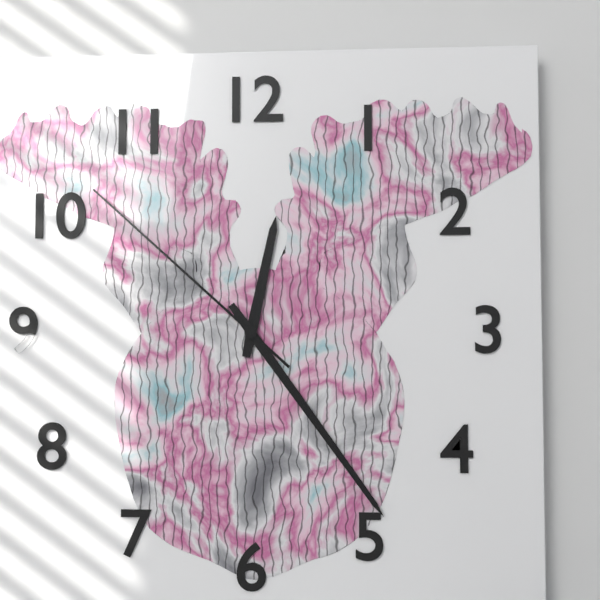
12:24:52
